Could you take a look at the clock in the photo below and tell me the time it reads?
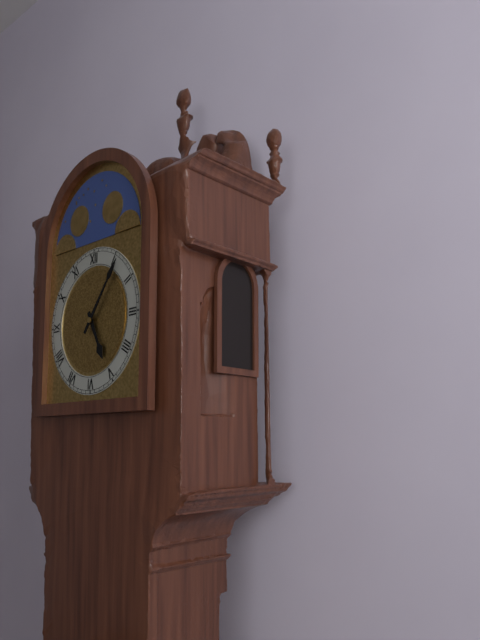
5:06
